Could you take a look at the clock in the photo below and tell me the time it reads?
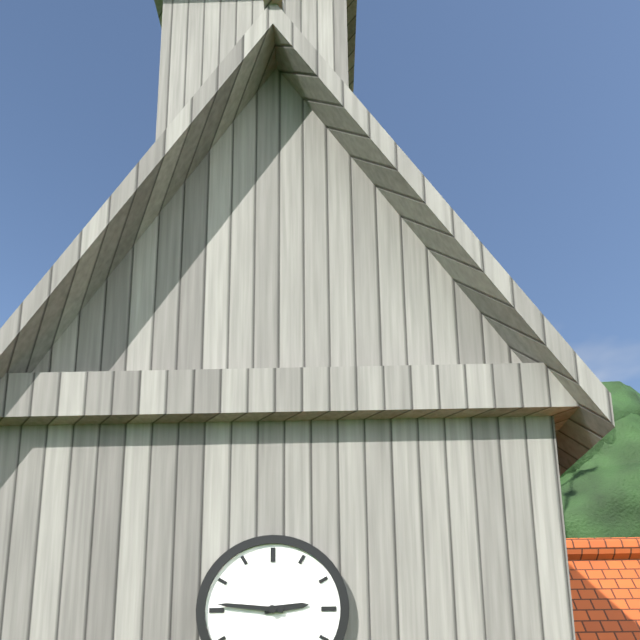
2:46
